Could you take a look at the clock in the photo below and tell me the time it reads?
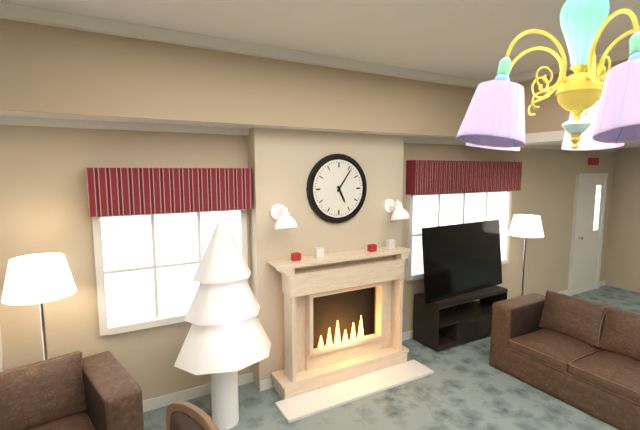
5:06
